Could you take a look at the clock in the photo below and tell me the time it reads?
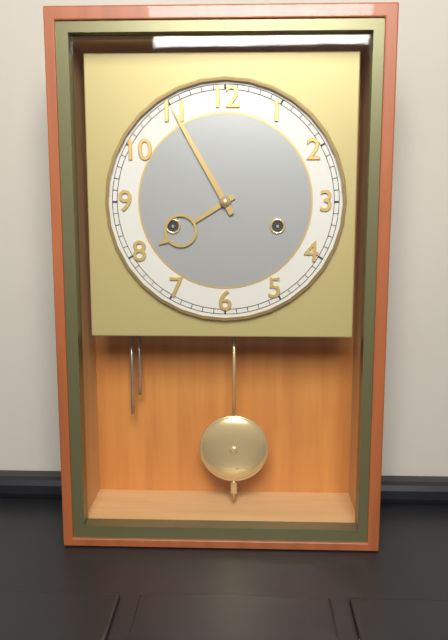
7:55
